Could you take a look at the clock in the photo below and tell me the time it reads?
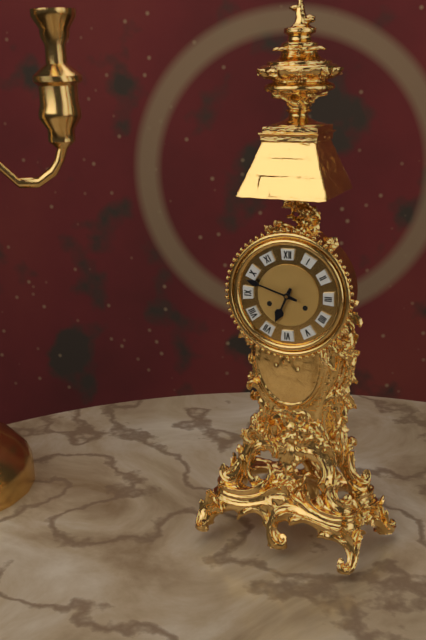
6:48
